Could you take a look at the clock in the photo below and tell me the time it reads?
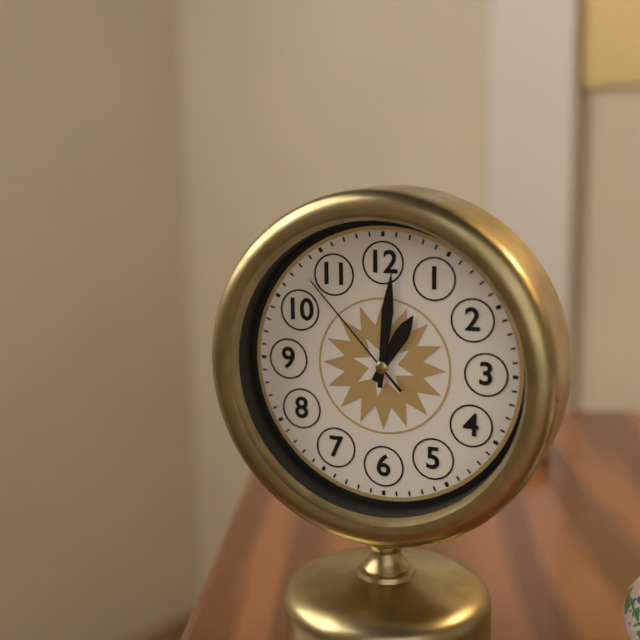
1:01:53
